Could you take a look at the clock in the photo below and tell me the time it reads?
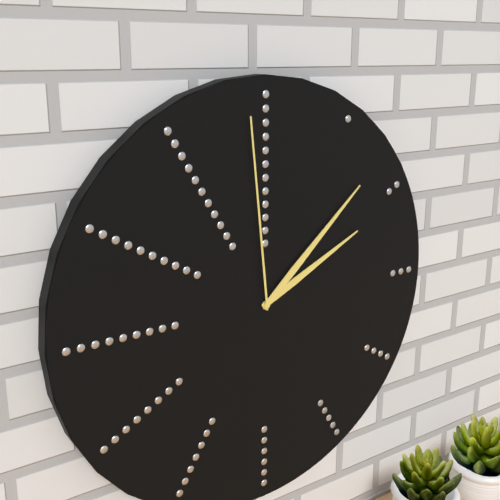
2:08:59
